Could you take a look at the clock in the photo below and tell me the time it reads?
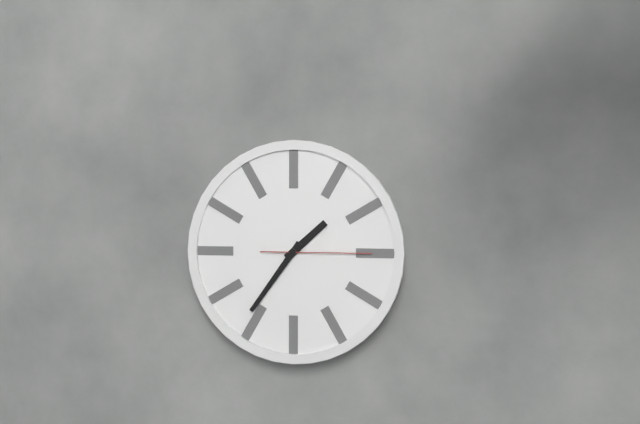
1:36:15
